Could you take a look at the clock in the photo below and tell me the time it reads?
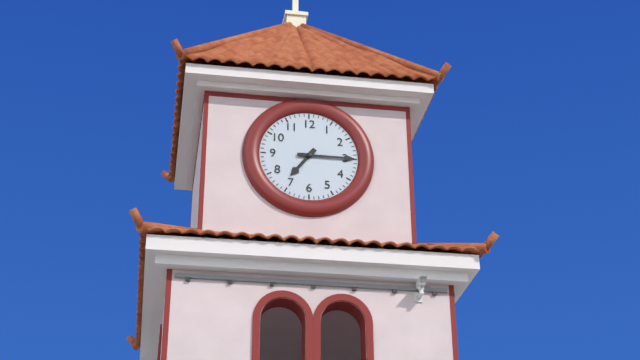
7:15
